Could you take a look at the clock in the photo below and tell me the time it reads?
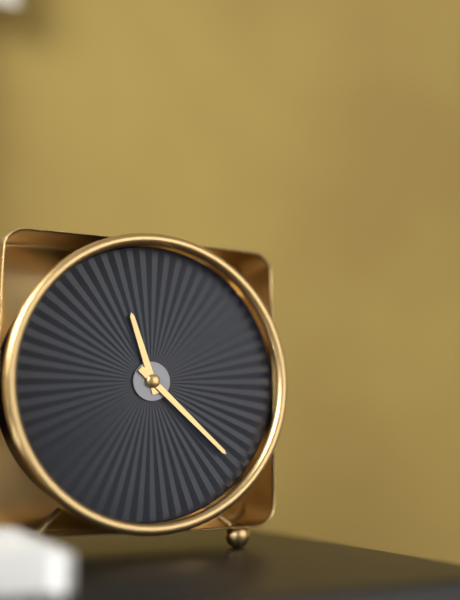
11:22
